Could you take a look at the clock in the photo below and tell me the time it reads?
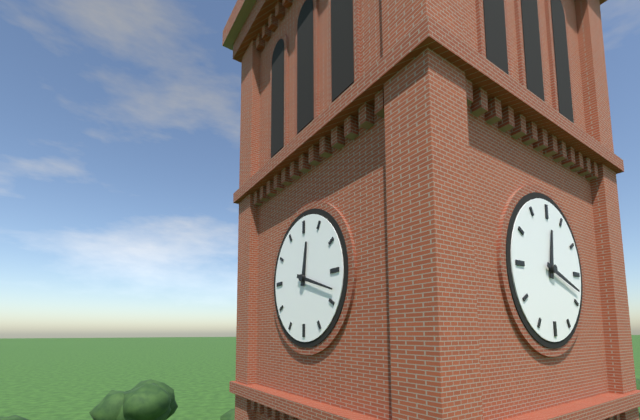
12:18
